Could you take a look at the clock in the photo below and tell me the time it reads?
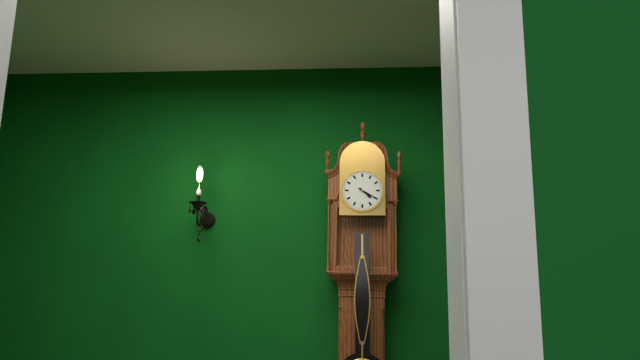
4:20
